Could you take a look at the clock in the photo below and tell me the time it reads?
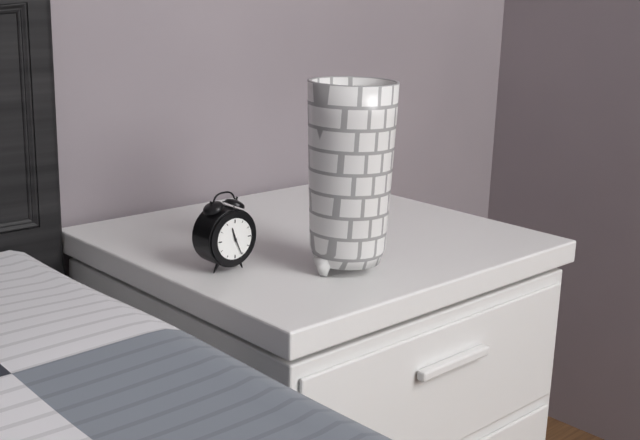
11:26
